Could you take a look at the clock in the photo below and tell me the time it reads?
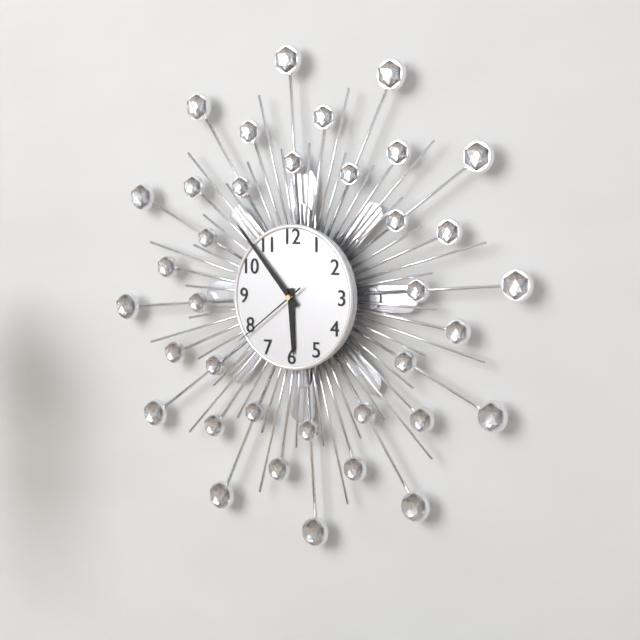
5:53:39
